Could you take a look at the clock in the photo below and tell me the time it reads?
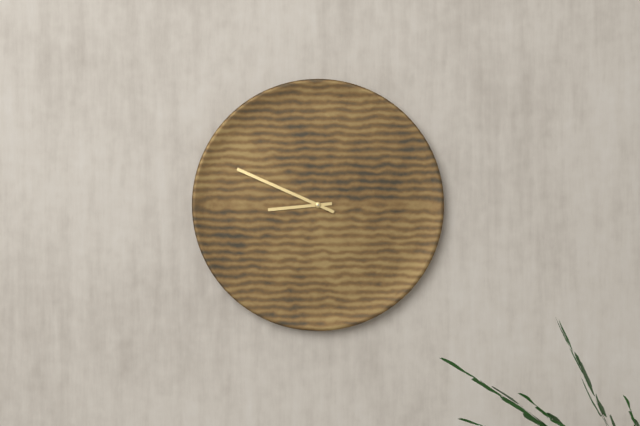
8:49
